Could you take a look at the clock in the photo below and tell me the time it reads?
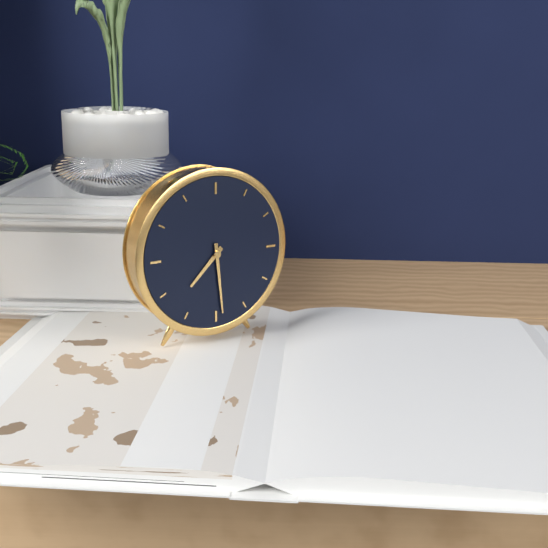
7:29
